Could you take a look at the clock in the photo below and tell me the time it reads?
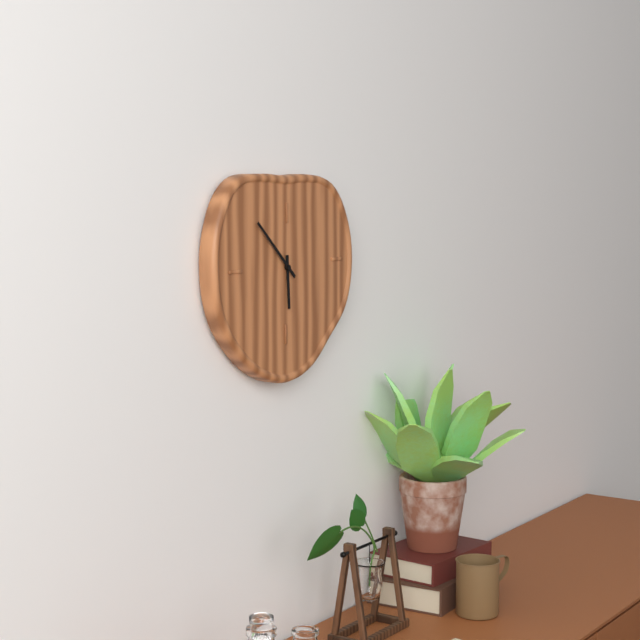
5:52
